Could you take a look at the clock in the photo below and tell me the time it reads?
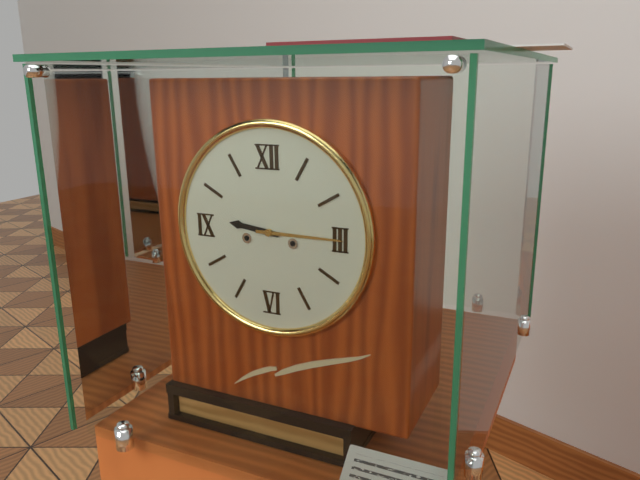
9:15
